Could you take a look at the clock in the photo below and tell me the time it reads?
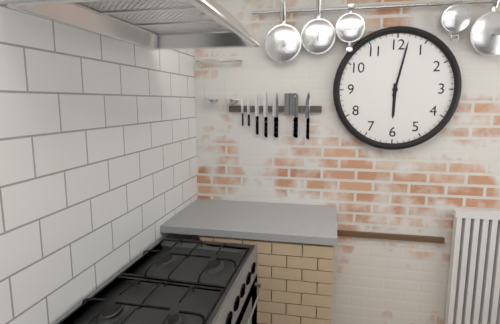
6:02
